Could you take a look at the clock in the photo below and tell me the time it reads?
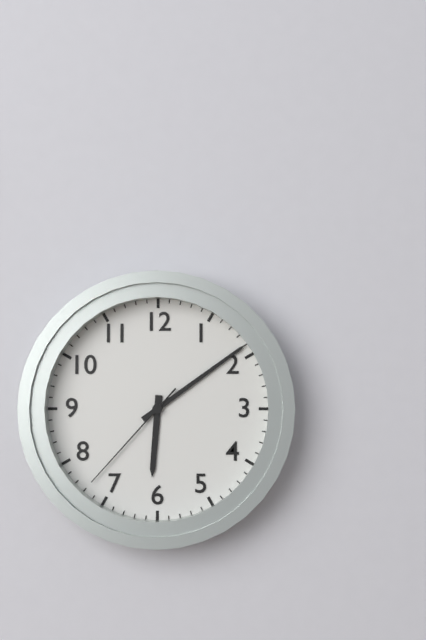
6:09:37
